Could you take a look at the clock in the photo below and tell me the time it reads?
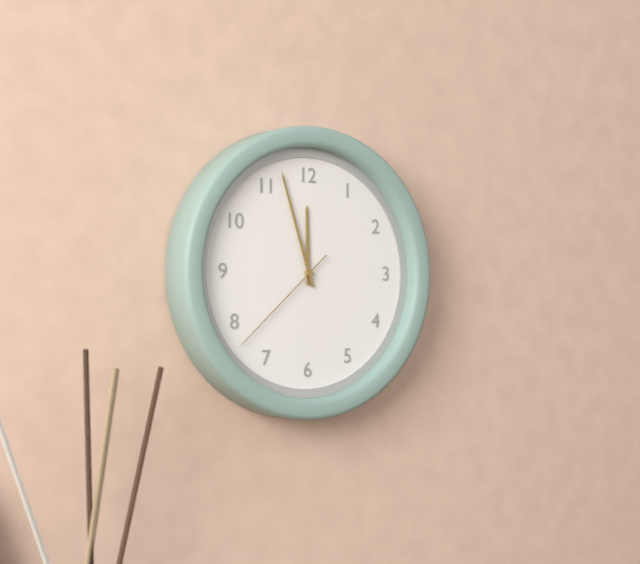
11:57:38
